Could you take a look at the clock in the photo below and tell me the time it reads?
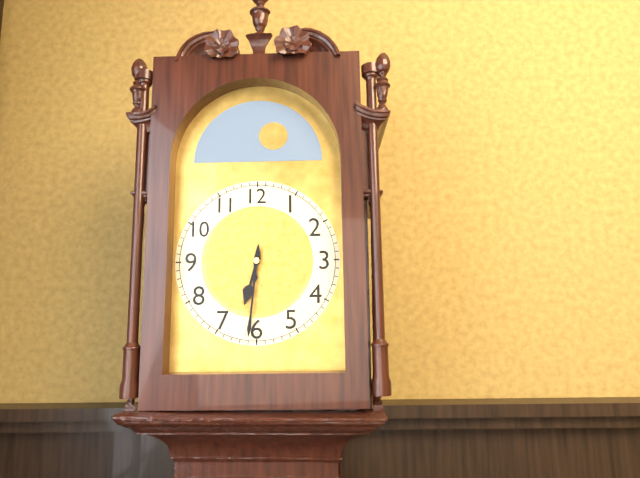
6:31
